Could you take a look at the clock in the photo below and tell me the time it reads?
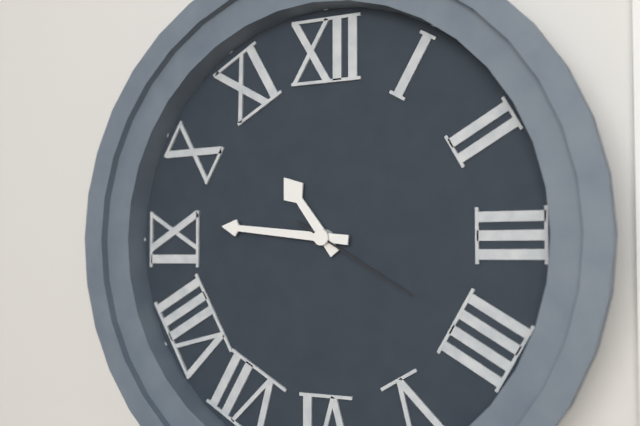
10:46:20
